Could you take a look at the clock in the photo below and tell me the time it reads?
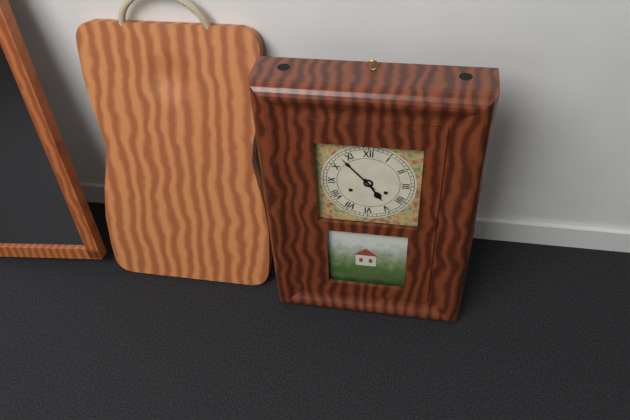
4:53
